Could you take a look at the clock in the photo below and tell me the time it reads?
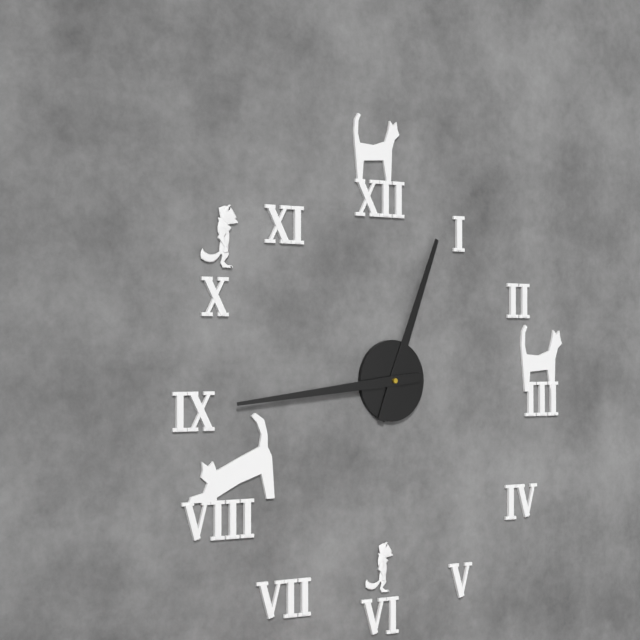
12:44
